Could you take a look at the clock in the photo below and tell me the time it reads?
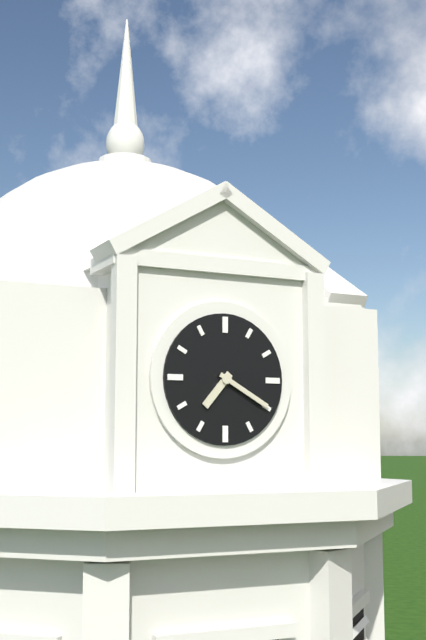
7:20
